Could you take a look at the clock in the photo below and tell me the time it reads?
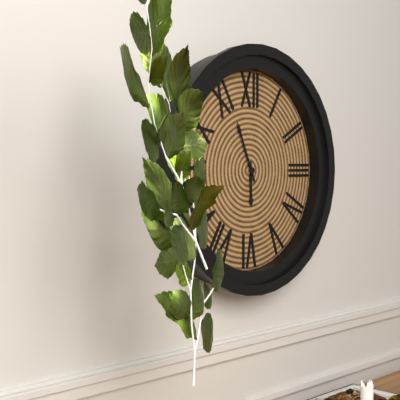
5:56
